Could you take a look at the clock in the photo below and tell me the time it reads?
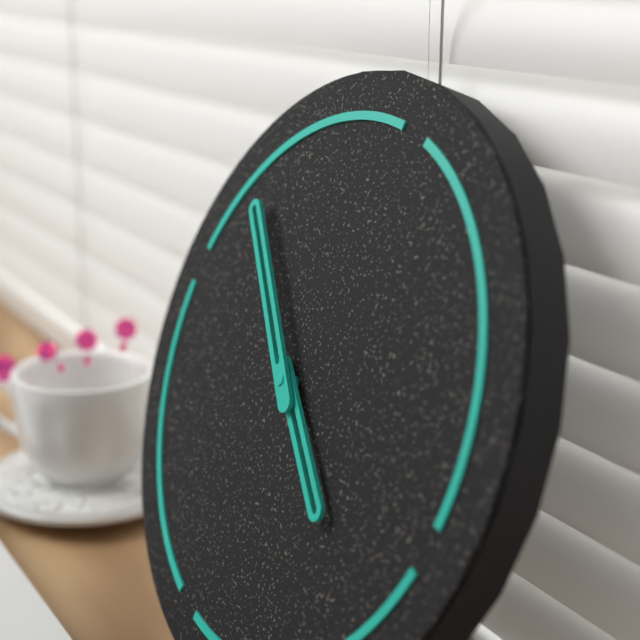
3:50
